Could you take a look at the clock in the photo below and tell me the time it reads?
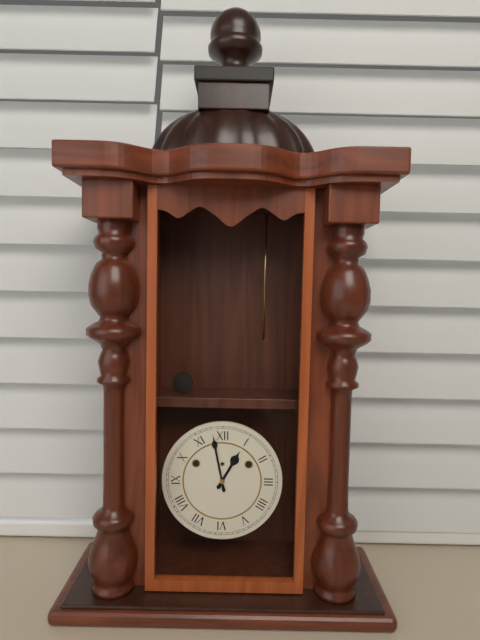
12:58
